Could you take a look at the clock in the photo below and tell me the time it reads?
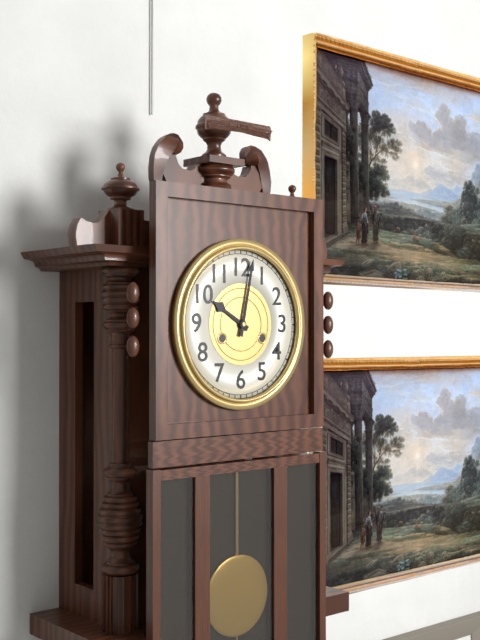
10:02
